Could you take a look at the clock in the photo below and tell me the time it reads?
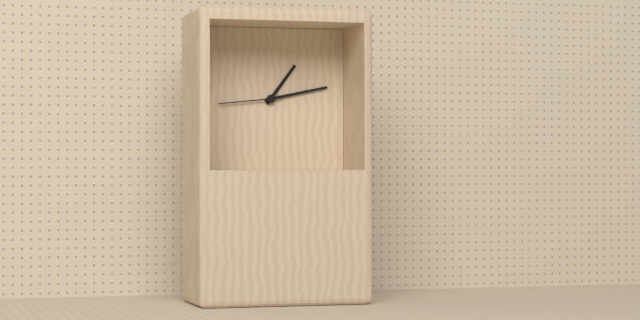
1:13:44
